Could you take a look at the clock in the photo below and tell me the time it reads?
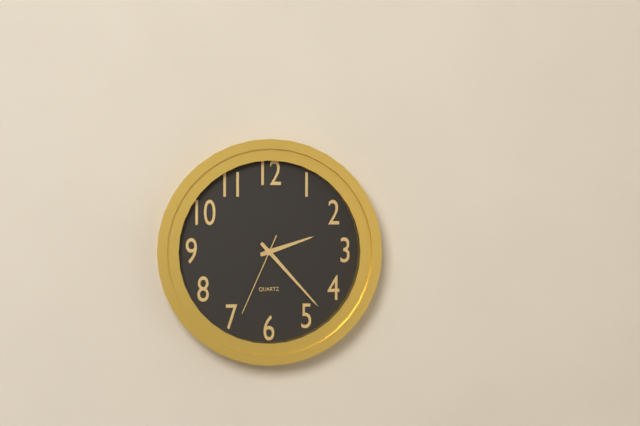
2:23:34
